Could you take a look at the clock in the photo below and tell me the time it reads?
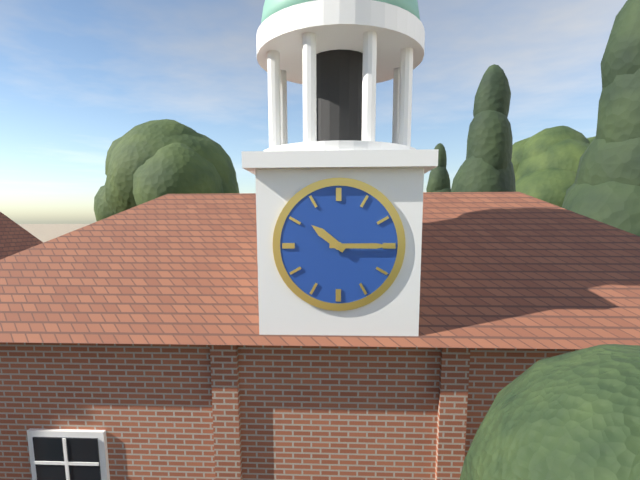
10:15
